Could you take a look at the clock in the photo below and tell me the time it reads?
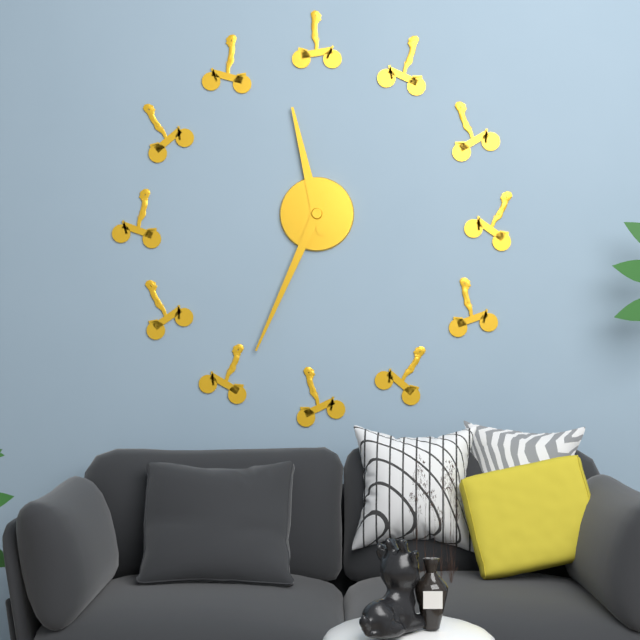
11:34
